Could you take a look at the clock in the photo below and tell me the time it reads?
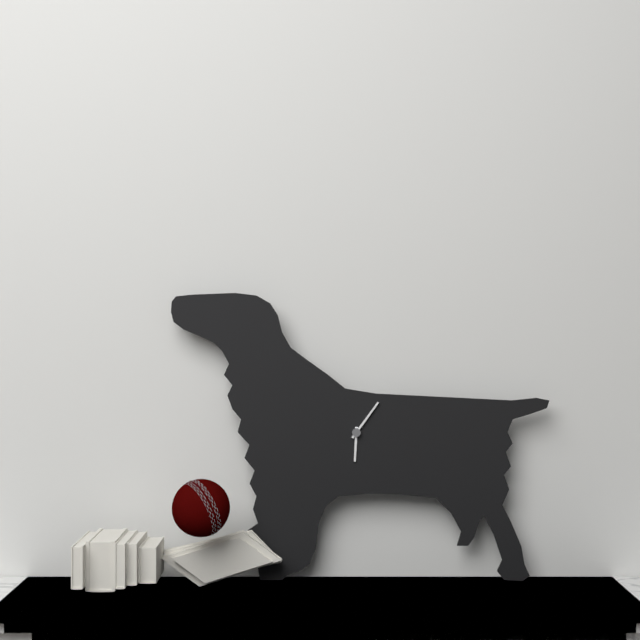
6:06
